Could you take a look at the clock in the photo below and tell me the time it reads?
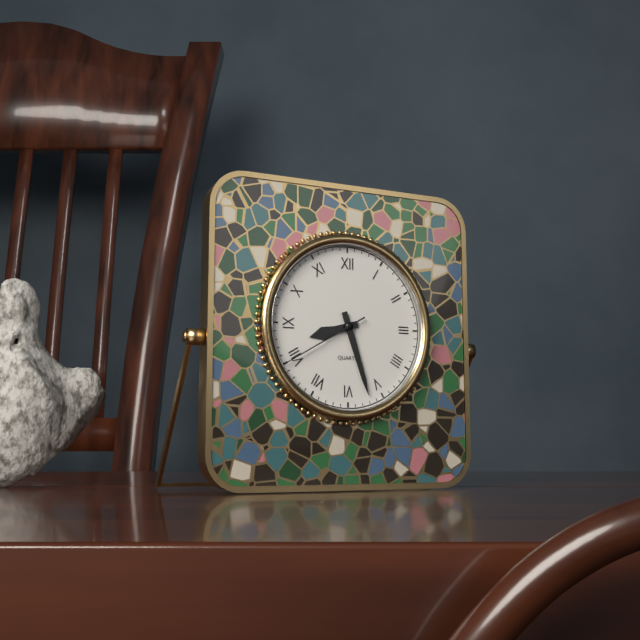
8:27:40
